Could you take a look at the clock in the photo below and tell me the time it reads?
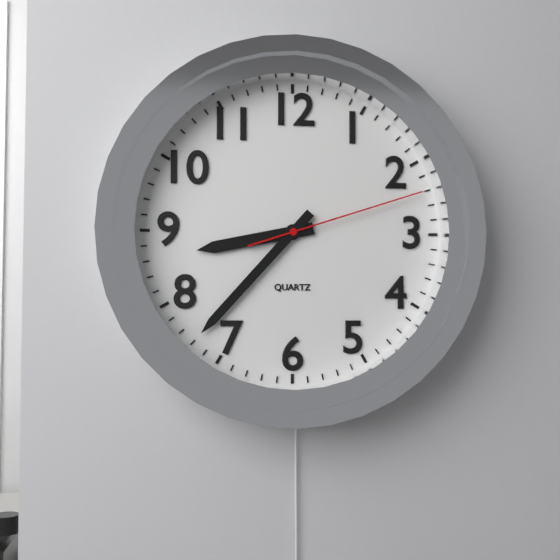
8:37:12
